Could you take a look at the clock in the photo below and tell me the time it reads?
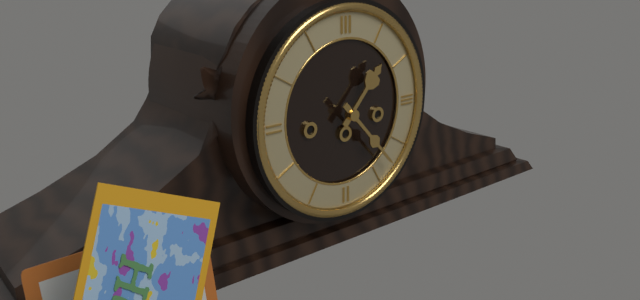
1:23
